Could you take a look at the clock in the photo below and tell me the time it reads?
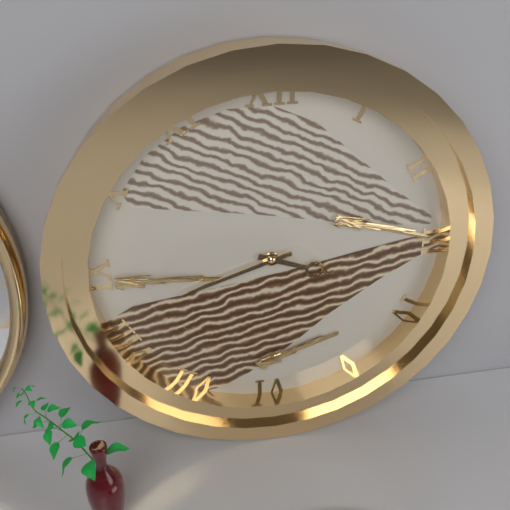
3:42
